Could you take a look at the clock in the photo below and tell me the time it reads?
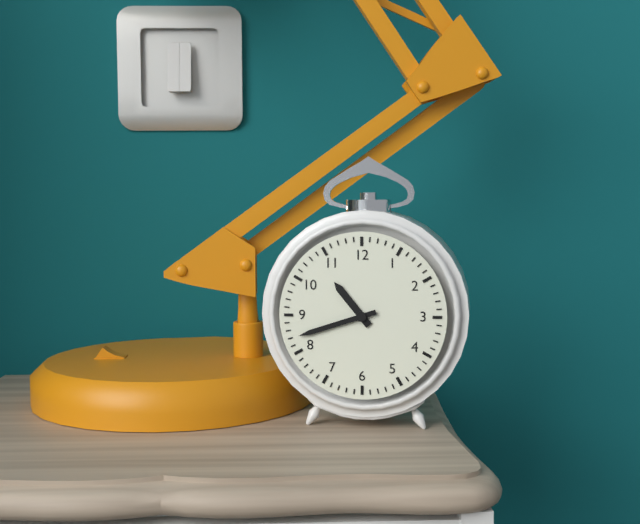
10:42
